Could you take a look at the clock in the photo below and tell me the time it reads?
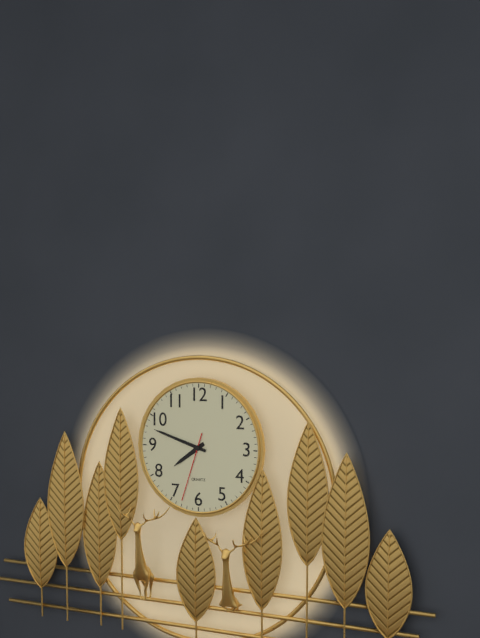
7:48:33
